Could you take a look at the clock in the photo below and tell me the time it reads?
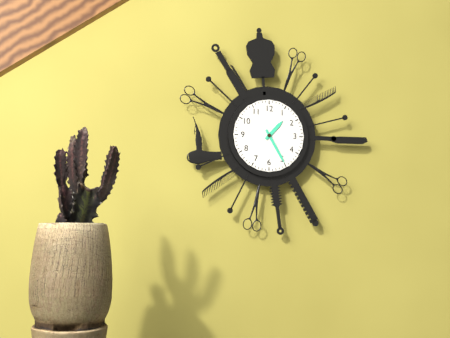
1:25
